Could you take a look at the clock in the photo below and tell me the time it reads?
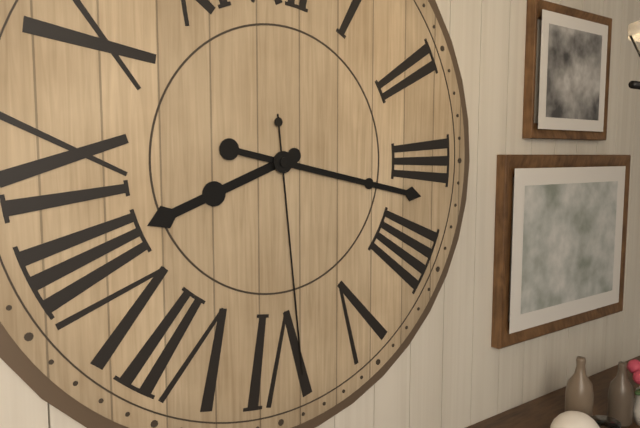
8:17:29
